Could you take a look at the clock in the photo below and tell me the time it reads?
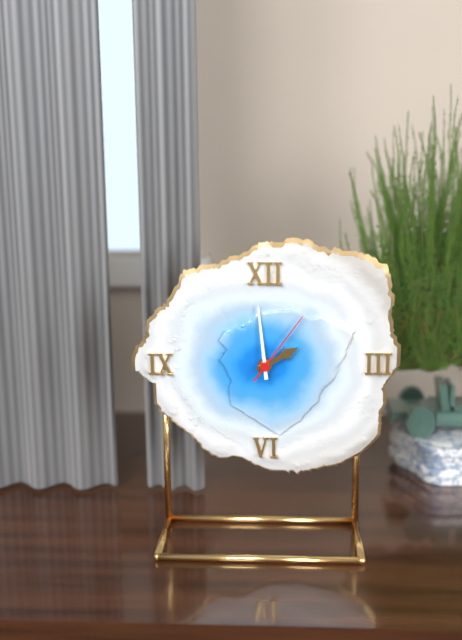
1:59:06
